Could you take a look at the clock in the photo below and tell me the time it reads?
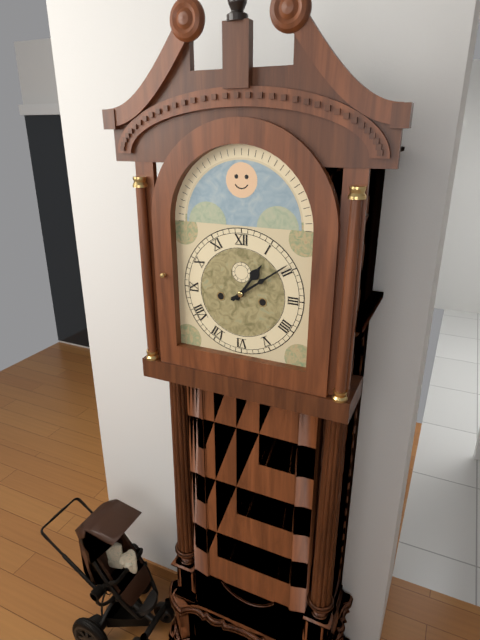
1:09
